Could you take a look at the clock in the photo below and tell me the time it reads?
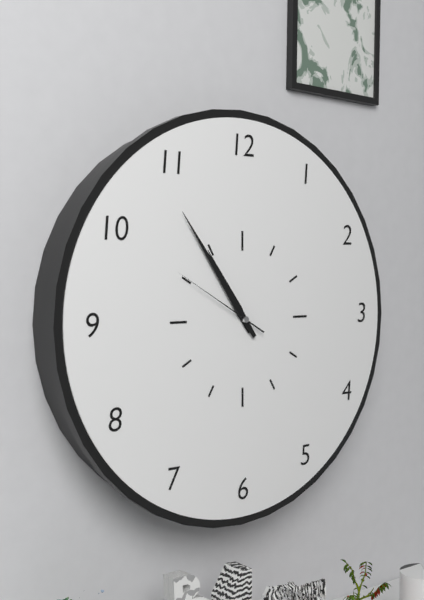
10:54:50
